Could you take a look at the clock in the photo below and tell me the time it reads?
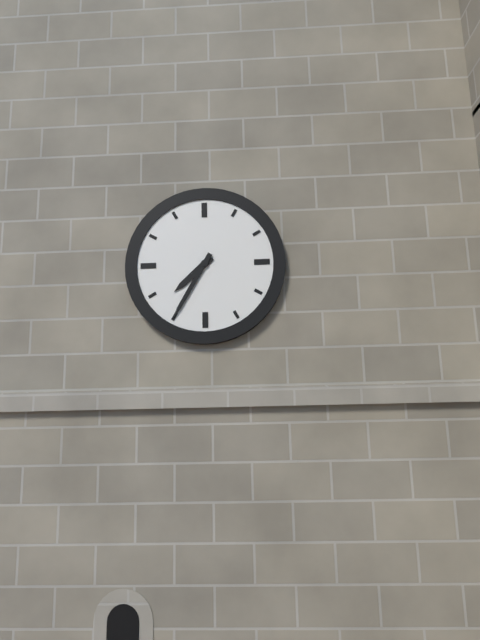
7:35
